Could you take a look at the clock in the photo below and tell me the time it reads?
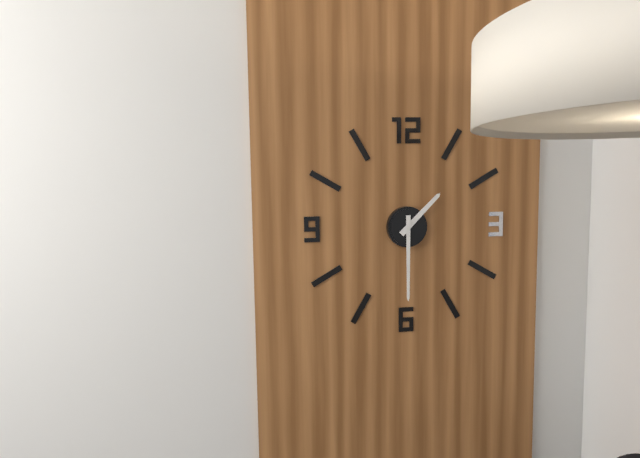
1:30
